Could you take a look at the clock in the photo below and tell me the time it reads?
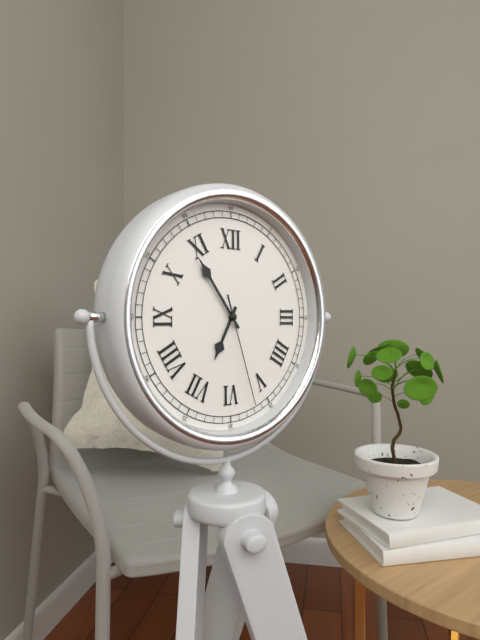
6:54:27
